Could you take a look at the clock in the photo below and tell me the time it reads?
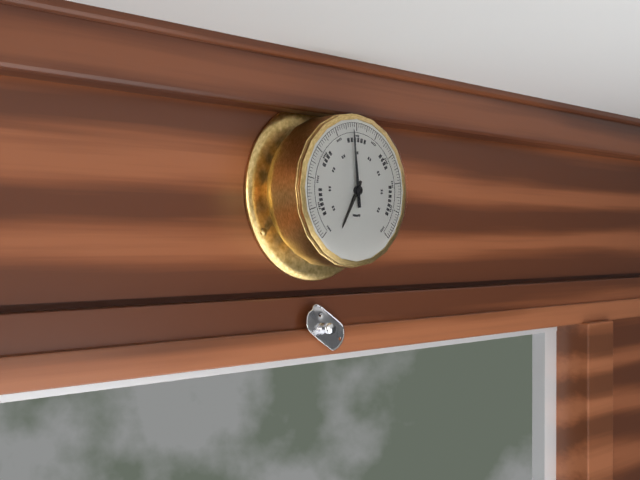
6:59
